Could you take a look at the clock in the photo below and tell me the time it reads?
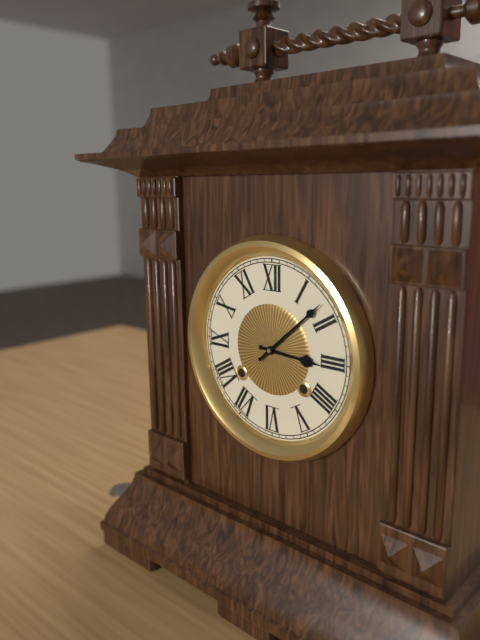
3:08
